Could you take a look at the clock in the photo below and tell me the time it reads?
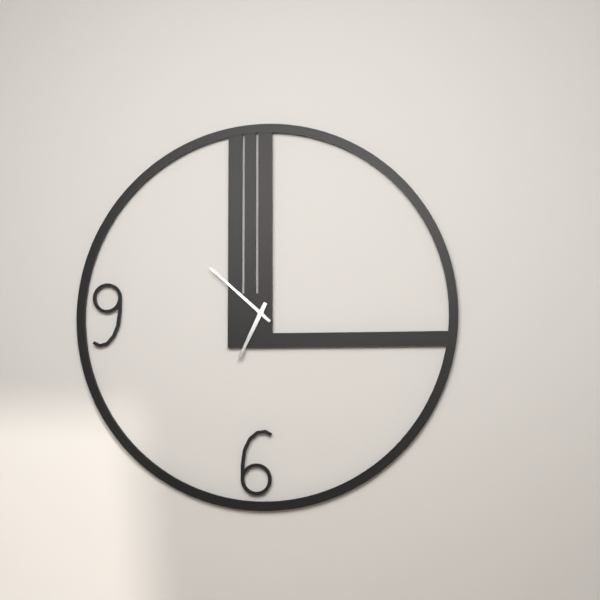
6:52
